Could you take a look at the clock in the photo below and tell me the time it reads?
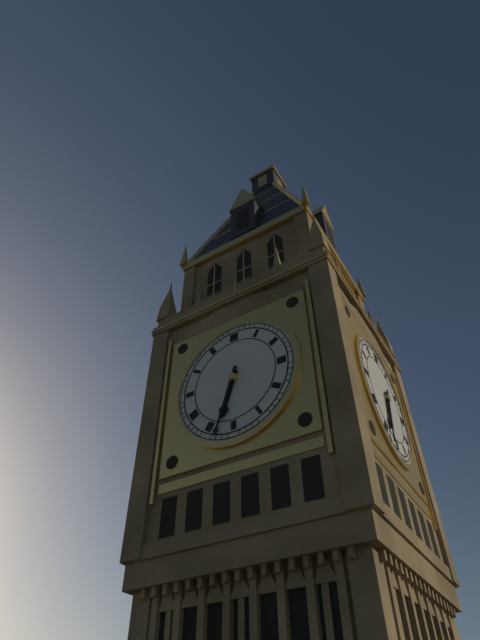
6:33
